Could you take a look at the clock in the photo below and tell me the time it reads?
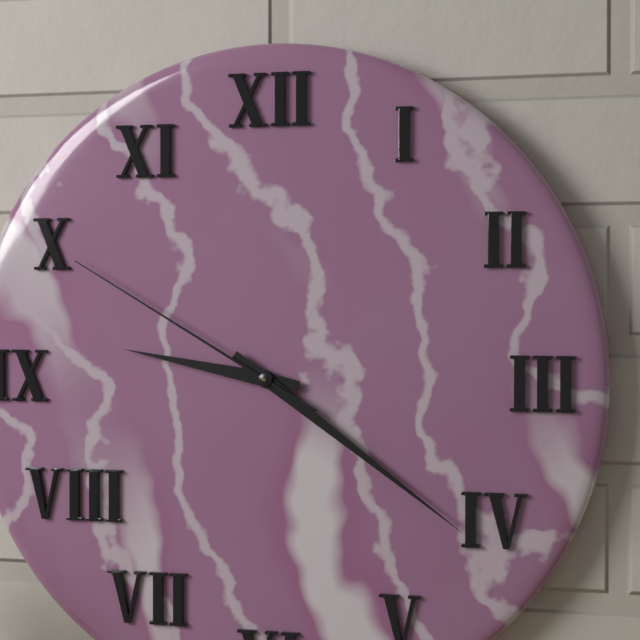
9:21:50
